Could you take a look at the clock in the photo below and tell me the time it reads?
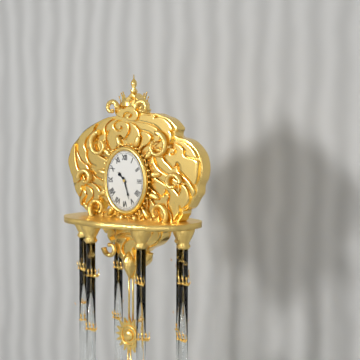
10:27
